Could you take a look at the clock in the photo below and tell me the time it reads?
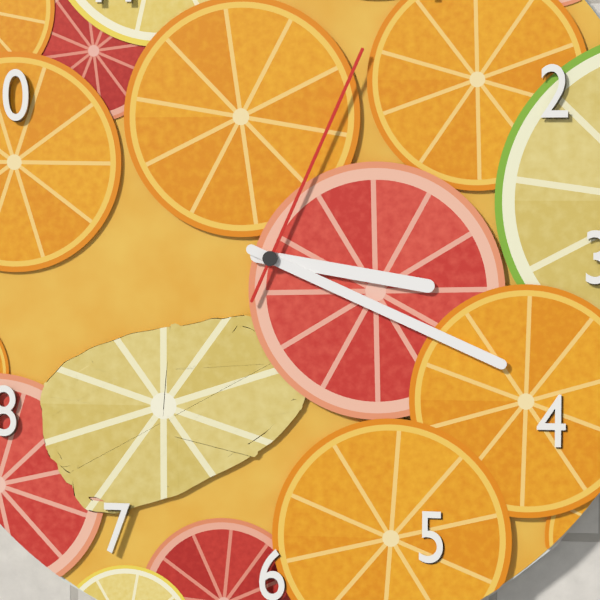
3:19:04
